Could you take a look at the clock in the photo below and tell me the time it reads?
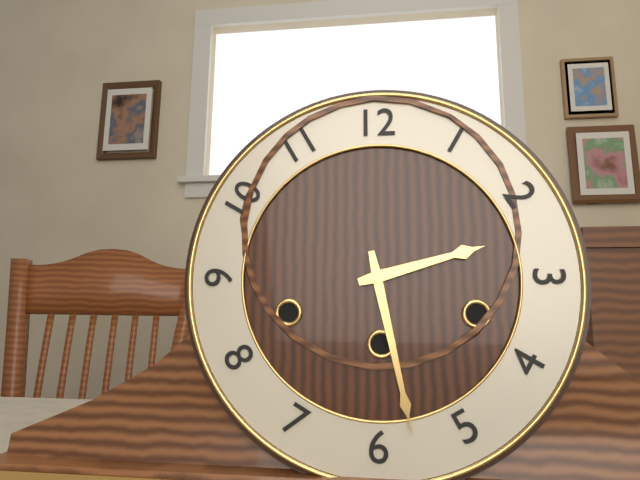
2:28
